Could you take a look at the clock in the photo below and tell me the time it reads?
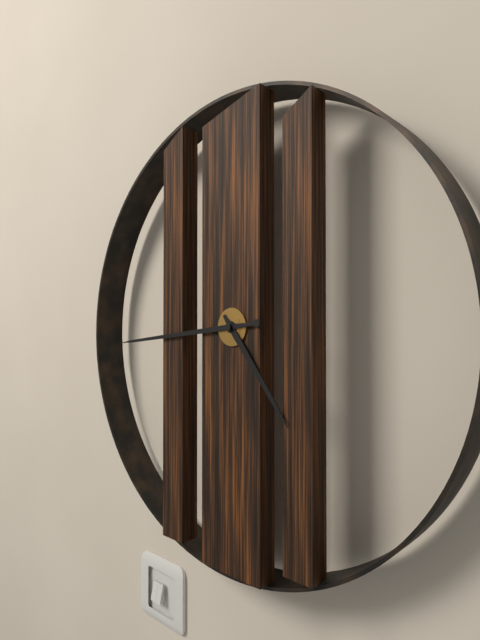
4:44
